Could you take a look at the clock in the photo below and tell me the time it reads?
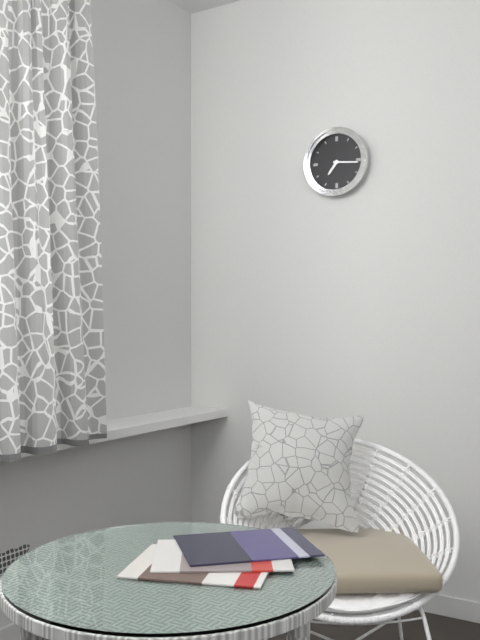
7:16
